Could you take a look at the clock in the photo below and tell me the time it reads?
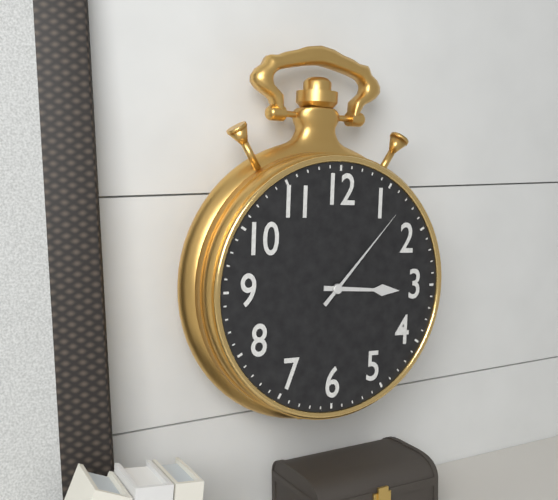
3:07
